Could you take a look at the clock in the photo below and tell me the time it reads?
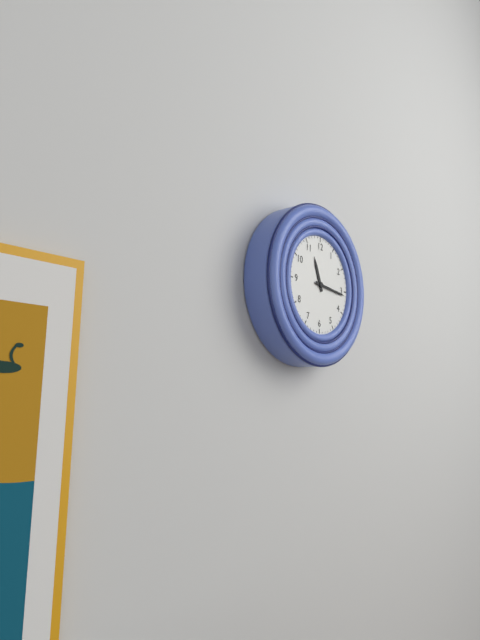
11:16
